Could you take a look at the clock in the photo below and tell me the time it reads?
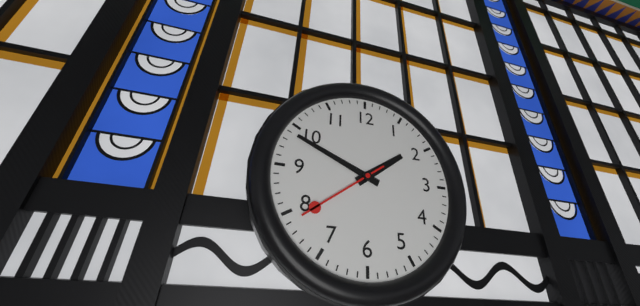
1:49:39
